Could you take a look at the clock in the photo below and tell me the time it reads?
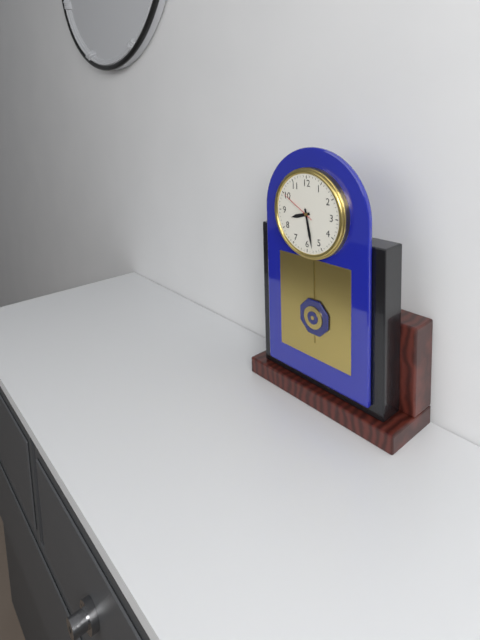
8:28
